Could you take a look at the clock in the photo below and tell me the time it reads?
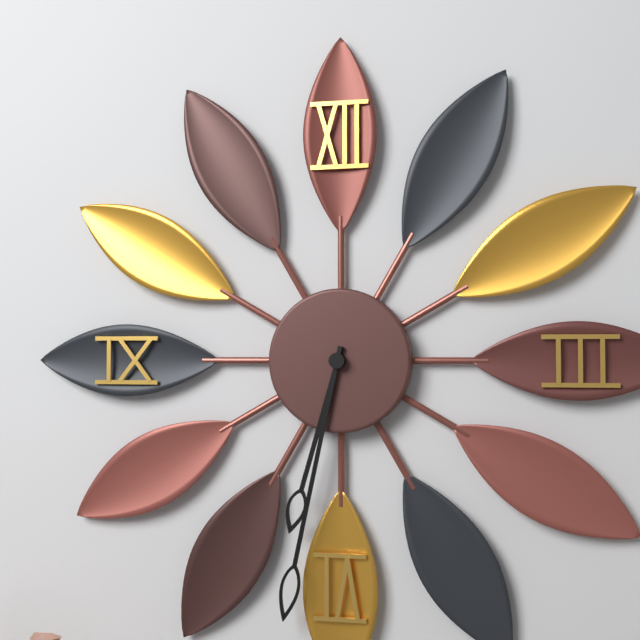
6:32
